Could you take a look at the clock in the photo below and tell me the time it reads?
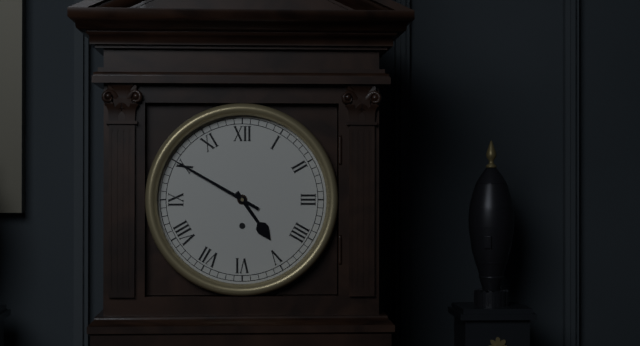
4:50
